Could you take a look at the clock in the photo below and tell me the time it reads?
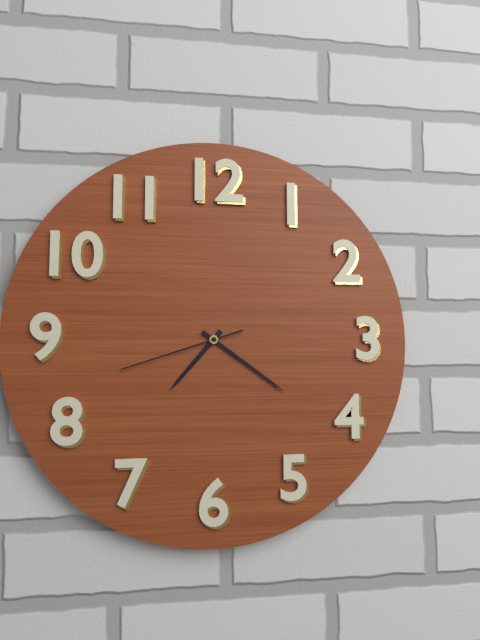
7:21:42
